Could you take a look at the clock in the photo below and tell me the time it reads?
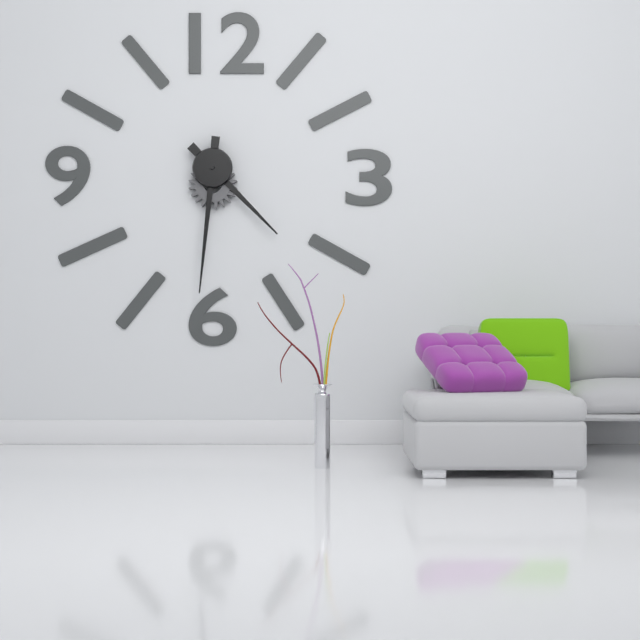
4:31
